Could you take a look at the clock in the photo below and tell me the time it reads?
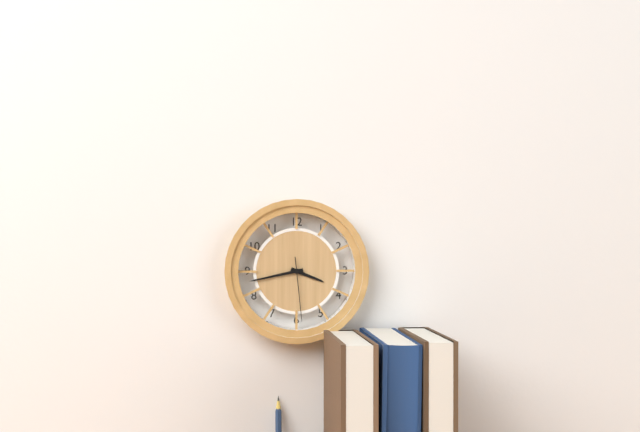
3:43:29
